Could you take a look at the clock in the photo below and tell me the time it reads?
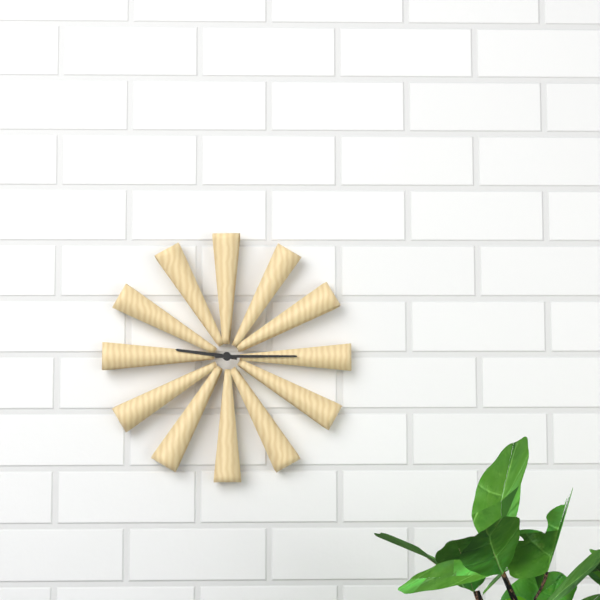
9:15
